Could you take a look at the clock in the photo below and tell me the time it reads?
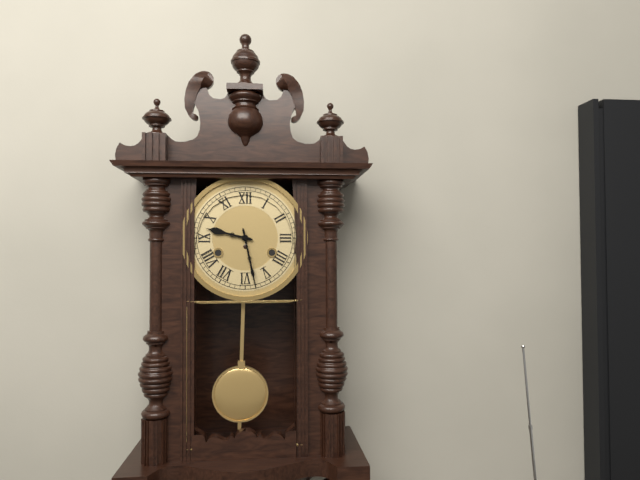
9:28
